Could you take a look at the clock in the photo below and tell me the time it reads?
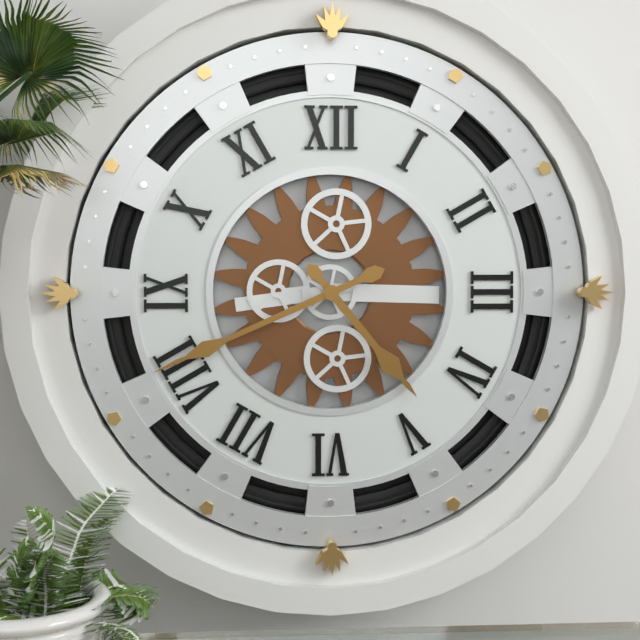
4:41
